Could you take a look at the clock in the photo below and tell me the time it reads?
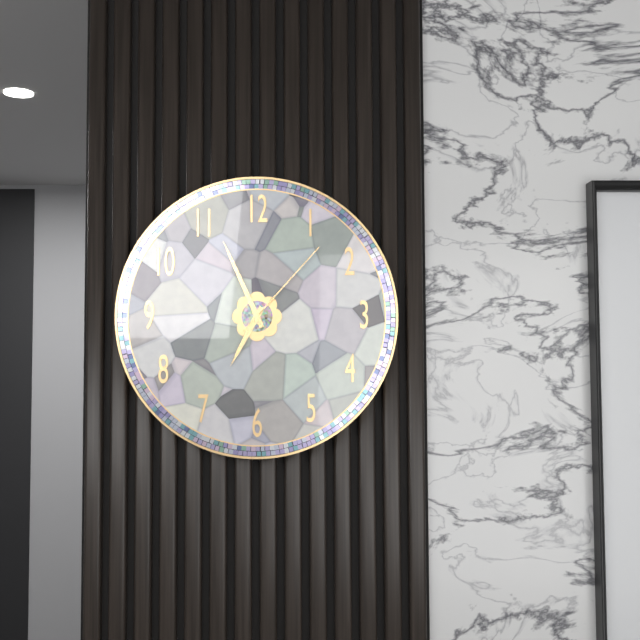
6:56:07
